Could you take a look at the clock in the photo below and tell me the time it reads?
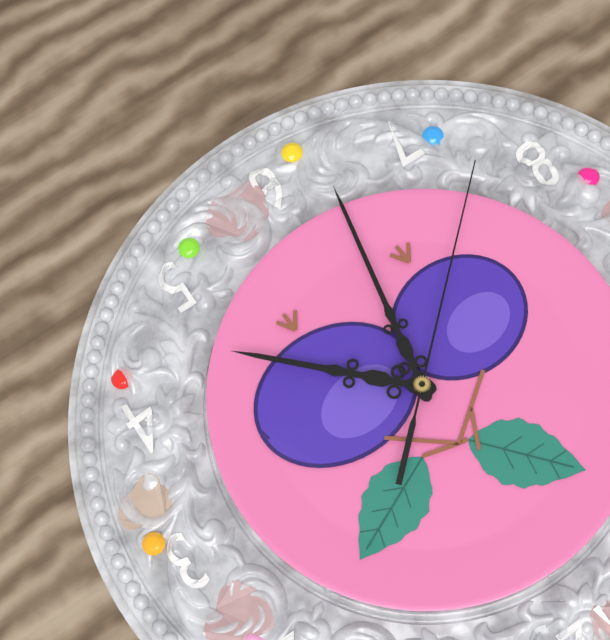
4:32:38
